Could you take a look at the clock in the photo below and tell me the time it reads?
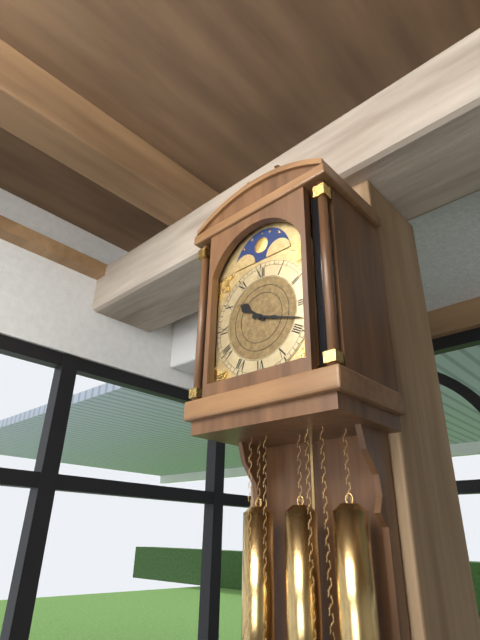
10:18
